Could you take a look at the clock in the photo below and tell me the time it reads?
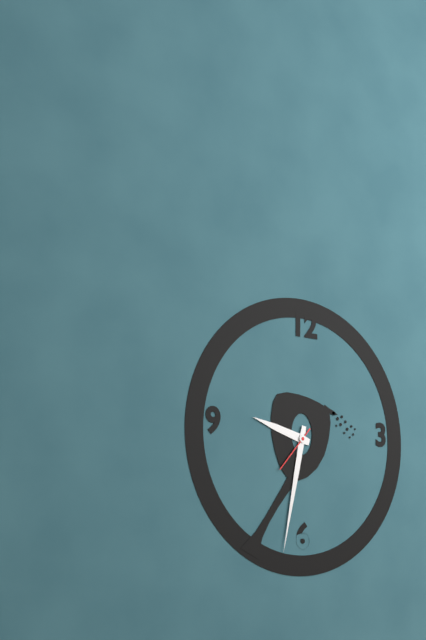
9:32
